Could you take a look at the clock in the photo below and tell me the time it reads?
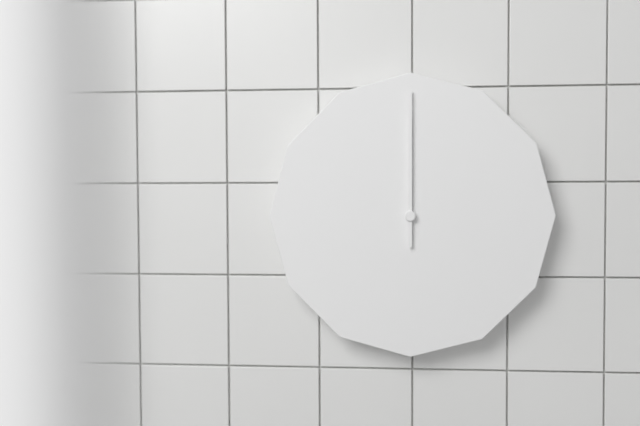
12:00
